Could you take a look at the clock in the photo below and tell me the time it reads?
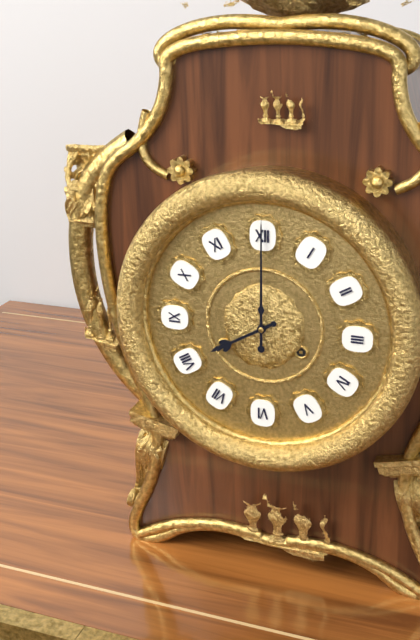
8:00
